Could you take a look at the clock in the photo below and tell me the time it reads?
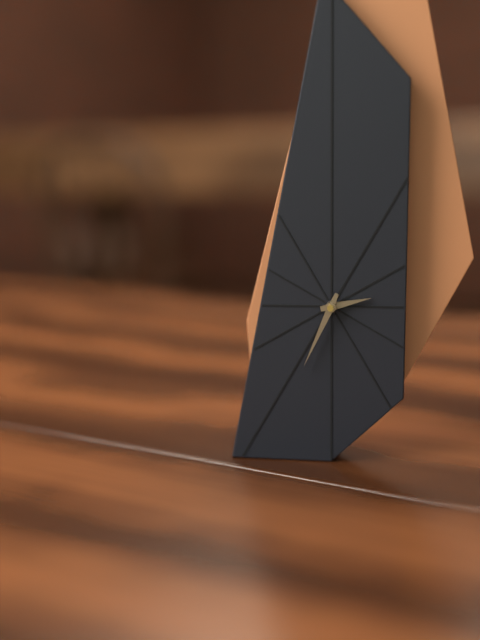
2:34
